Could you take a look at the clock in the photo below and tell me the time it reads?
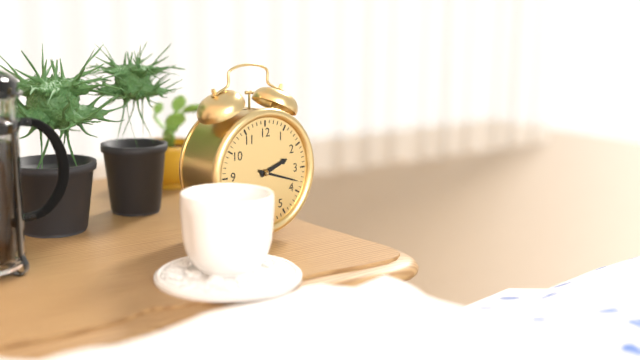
2:18
